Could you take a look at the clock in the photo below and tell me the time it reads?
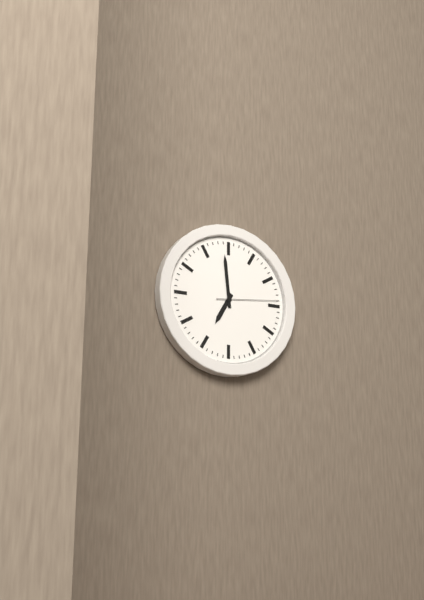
6:59:14
